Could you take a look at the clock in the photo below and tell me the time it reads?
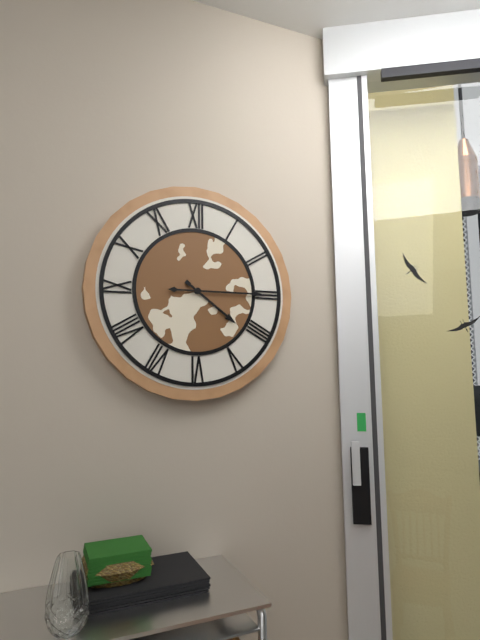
4:15
